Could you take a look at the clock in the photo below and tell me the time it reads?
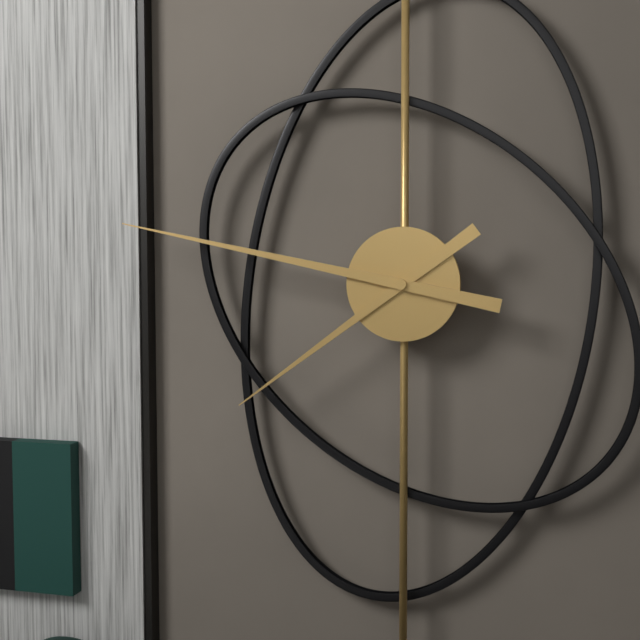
7:47
